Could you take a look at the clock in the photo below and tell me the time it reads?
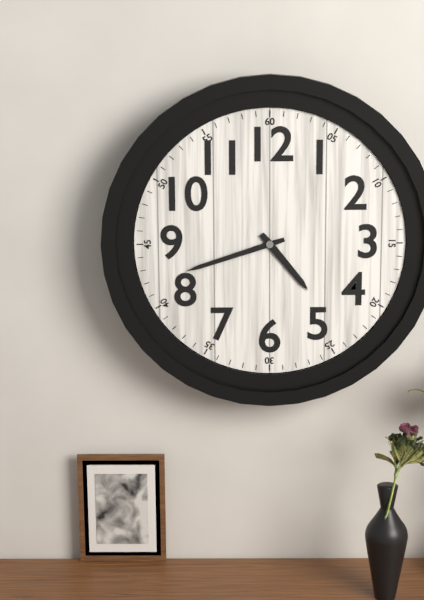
4:42
